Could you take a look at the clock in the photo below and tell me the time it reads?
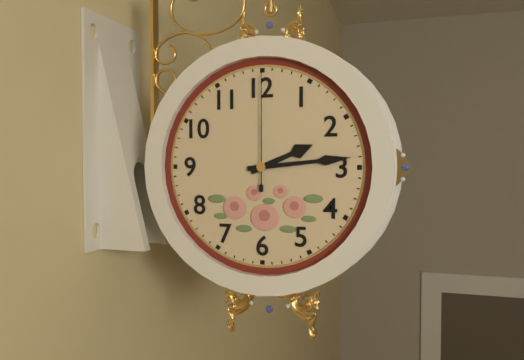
2:14:00
